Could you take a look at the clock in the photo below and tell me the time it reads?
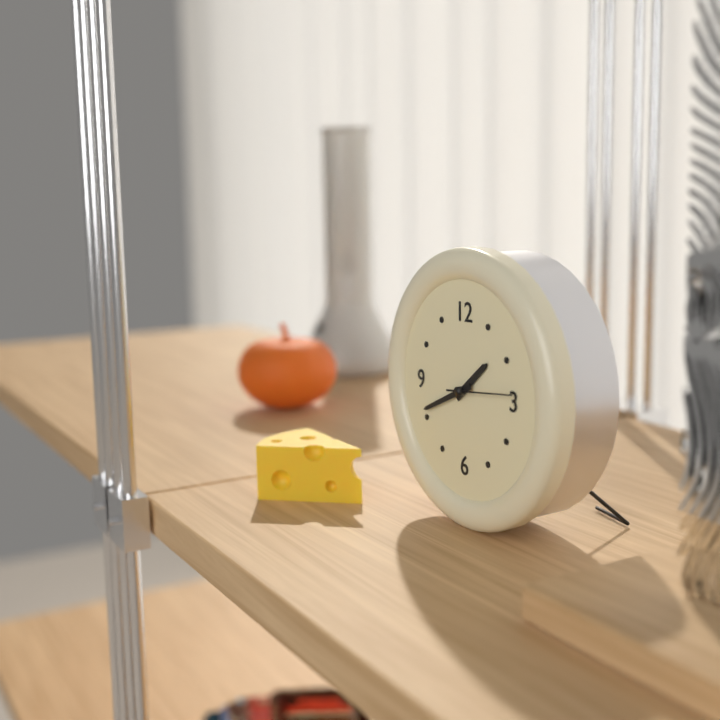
1:41:14
